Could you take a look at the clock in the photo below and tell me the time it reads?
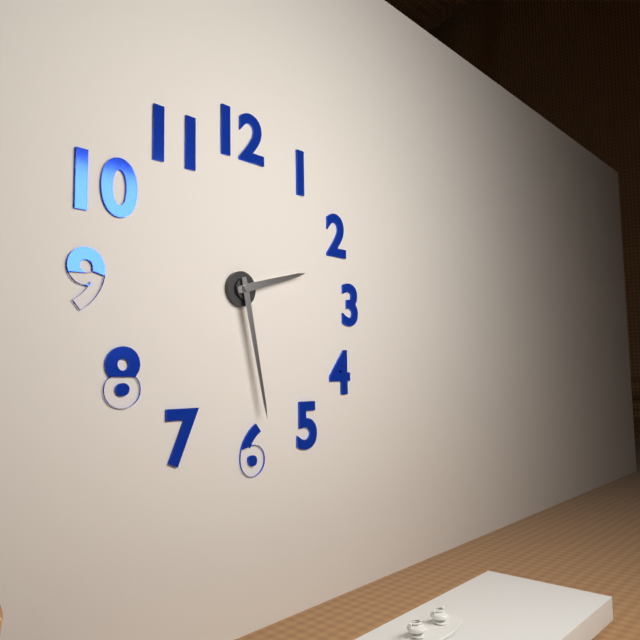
2:28
